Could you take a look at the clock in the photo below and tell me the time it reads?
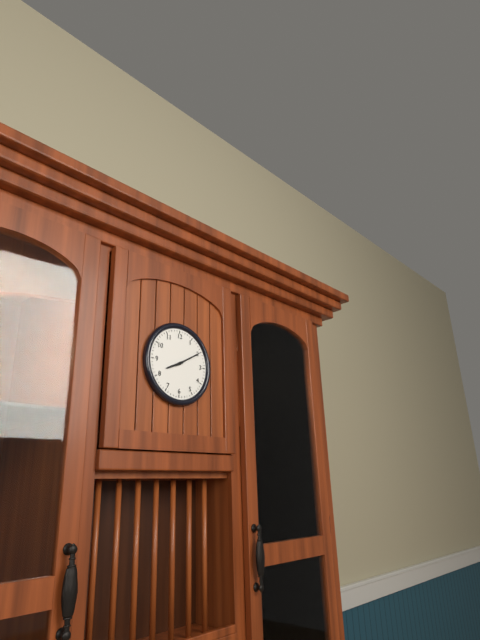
8:10
